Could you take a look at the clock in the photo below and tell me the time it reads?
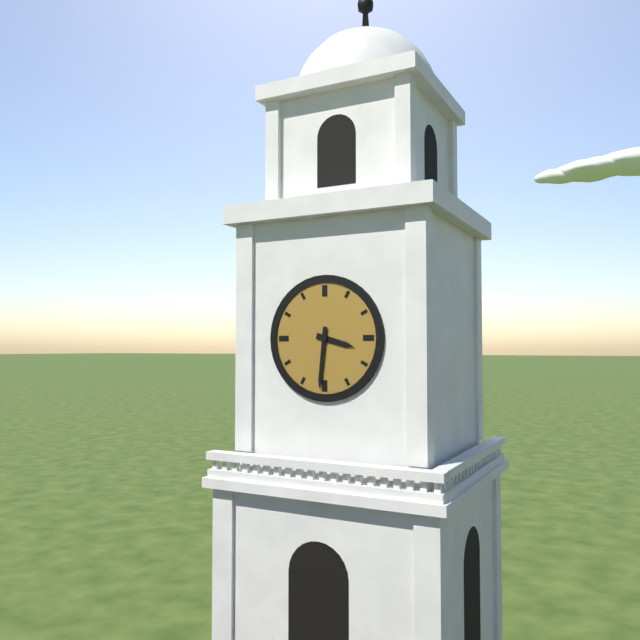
3:31
